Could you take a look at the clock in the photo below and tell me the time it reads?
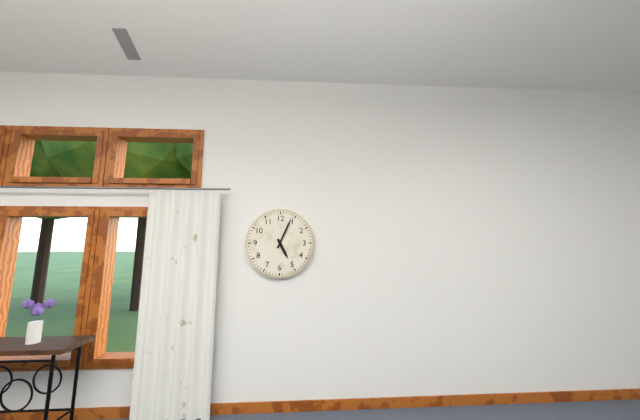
5:04
